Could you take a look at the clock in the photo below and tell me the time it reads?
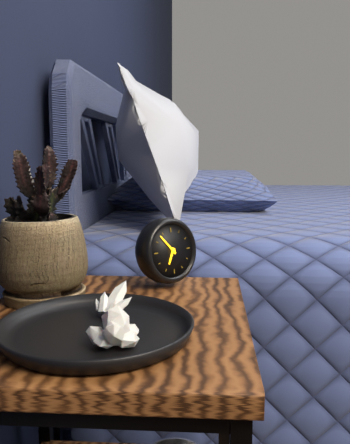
6:53
